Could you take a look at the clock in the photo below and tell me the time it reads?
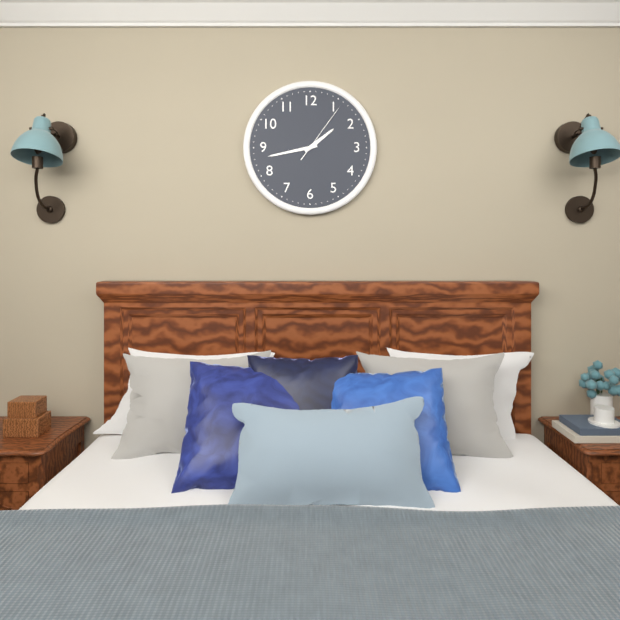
1:43:06
